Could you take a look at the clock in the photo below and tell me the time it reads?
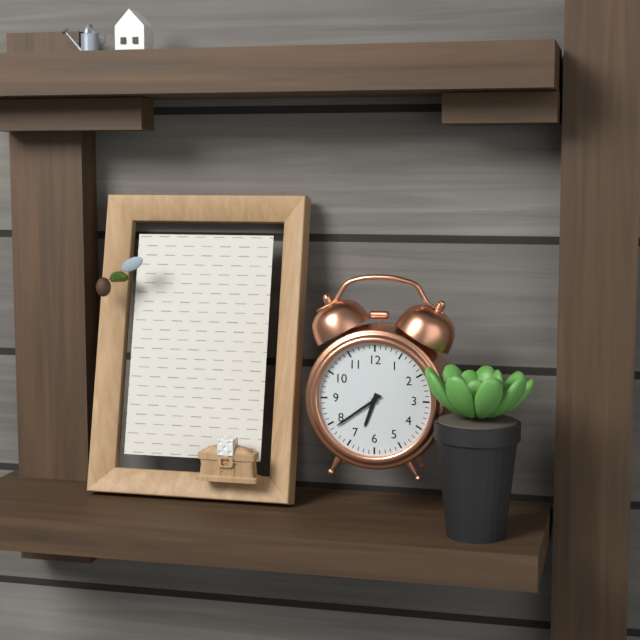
6:39
